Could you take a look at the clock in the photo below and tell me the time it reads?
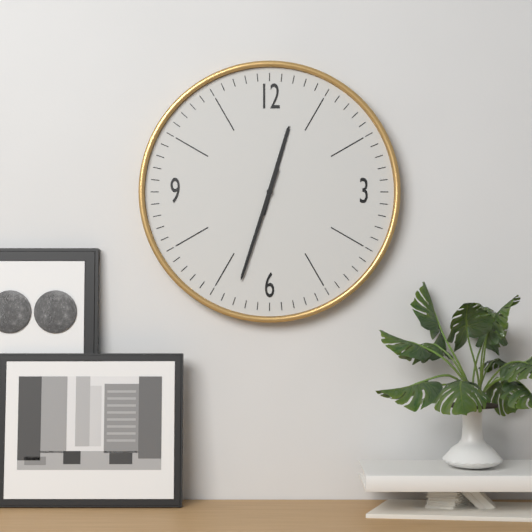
12:33
